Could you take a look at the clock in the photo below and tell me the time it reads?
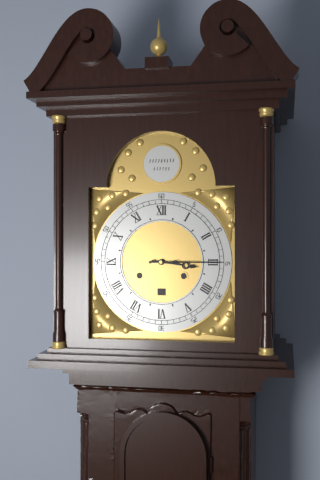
3:15
